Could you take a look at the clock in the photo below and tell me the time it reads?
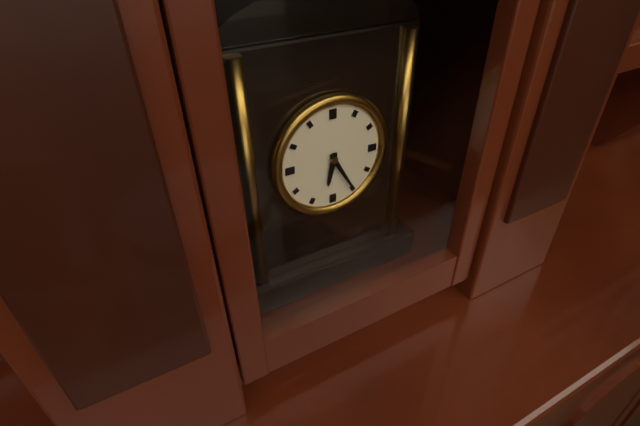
6:25
